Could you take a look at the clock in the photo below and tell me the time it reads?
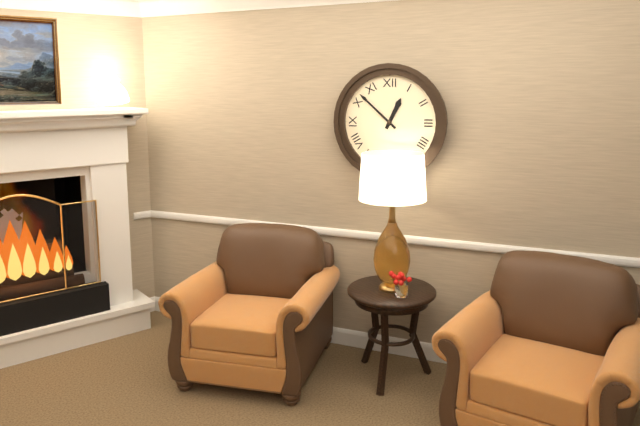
12:52
